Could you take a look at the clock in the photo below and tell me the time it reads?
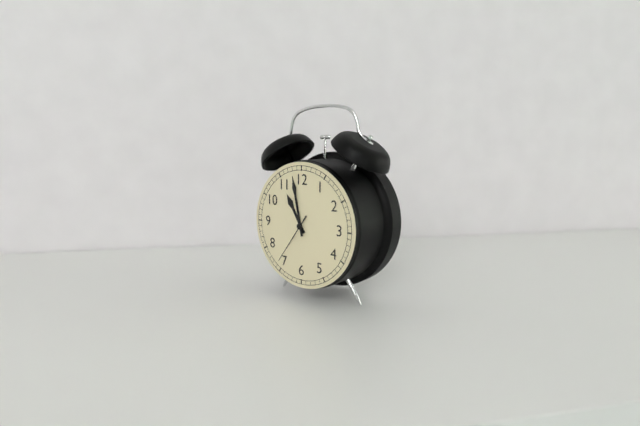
10:58:36
